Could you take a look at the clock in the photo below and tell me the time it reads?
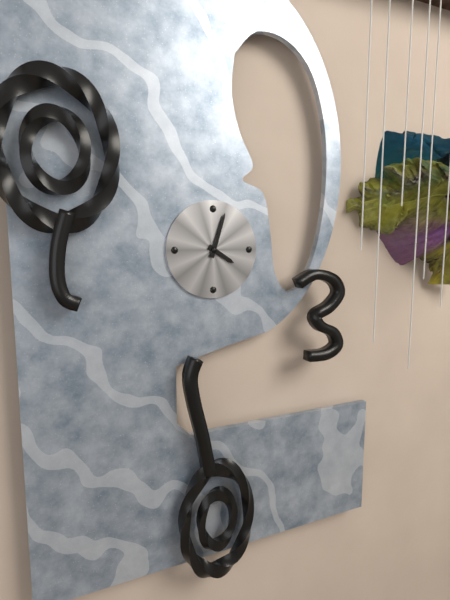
4:03
